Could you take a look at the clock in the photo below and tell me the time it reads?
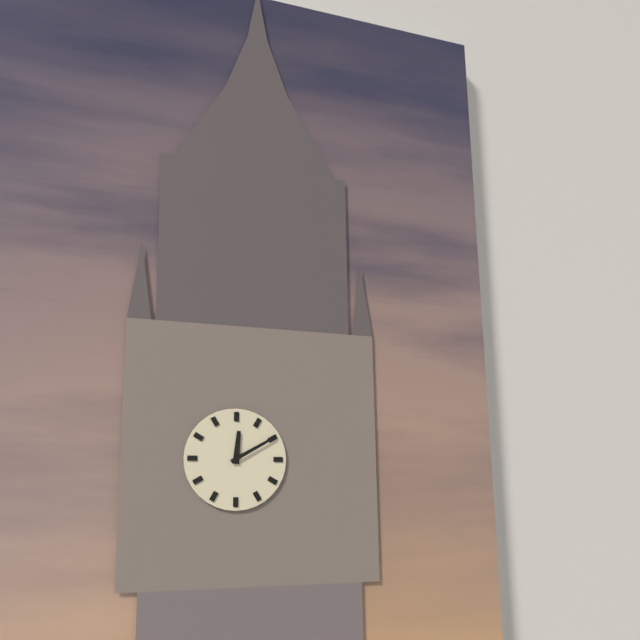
12:10
